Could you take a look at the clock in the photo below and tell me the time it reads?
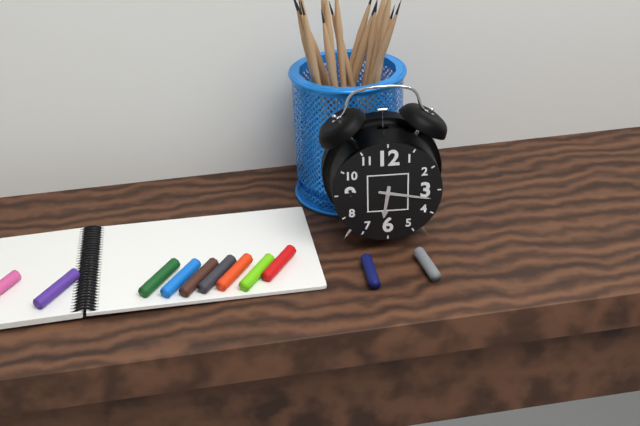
6:17
